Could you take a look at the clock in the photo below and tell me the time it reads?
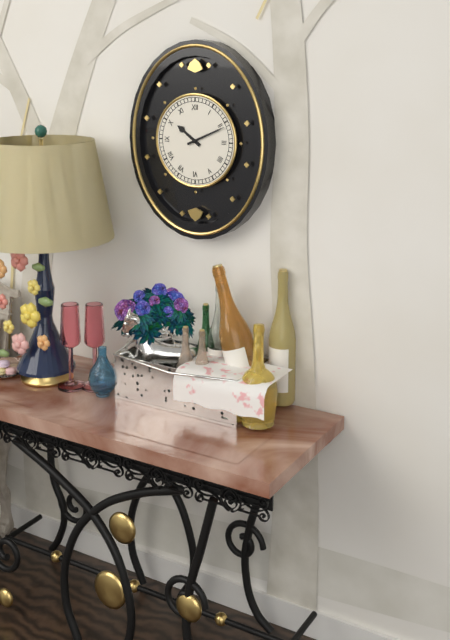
10:11
